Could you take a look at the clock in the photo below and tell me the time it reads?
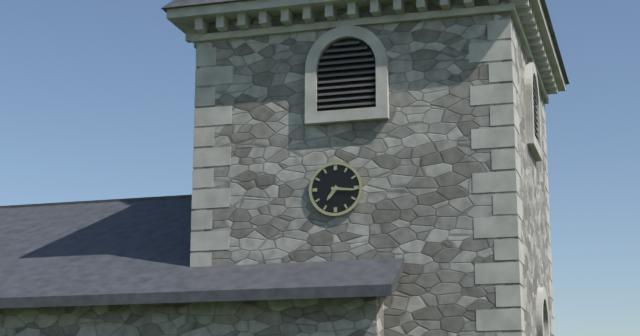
7:16
